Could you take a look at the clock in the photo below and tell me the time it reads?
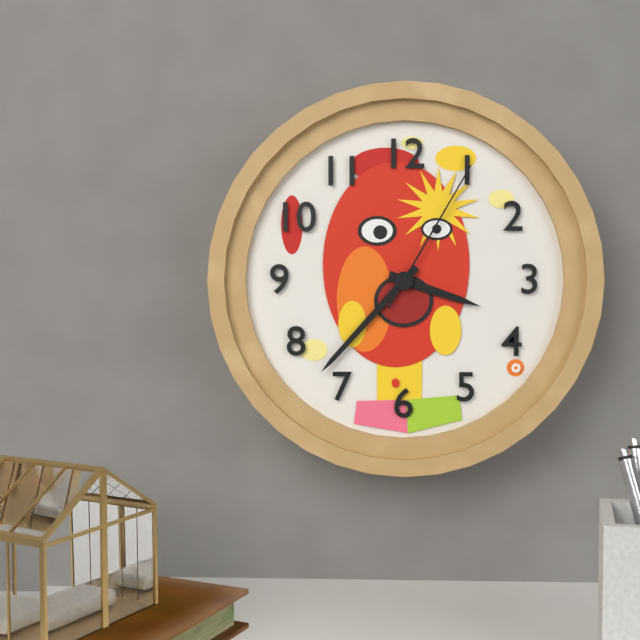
3:37:05
